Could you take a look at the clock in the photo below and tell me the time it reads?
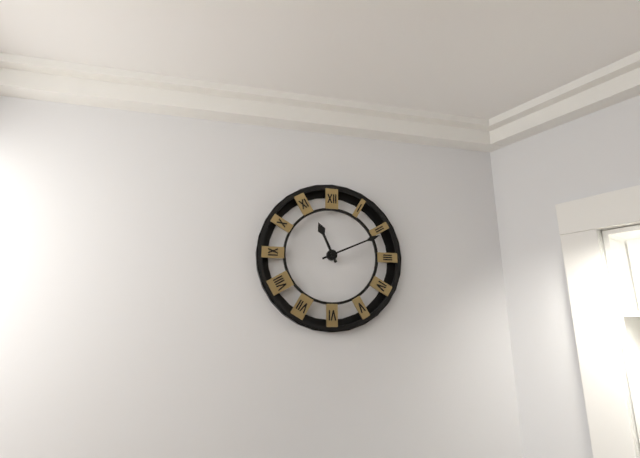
11:11
